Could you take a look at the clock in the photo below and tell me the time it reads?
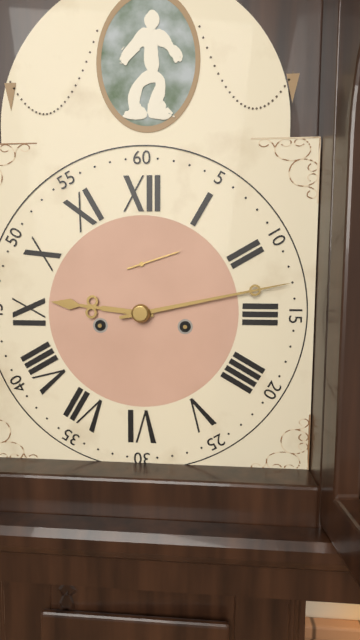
9:13:12
